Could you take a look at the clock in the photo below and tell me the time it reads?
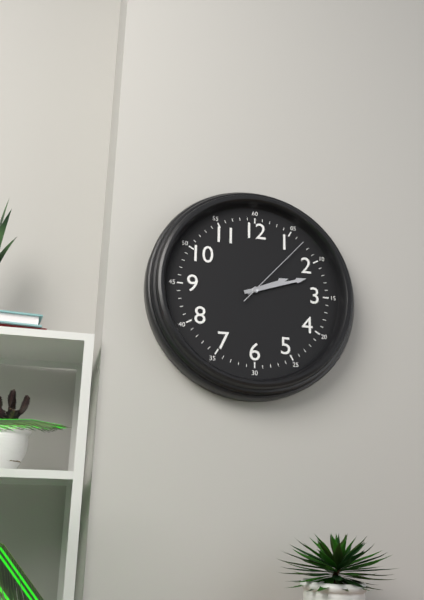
2:12:07
